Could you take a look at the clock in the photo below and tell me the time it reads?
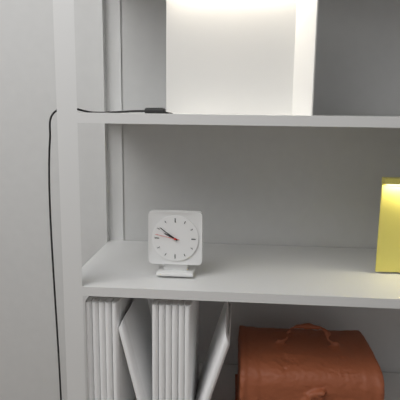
9:51
